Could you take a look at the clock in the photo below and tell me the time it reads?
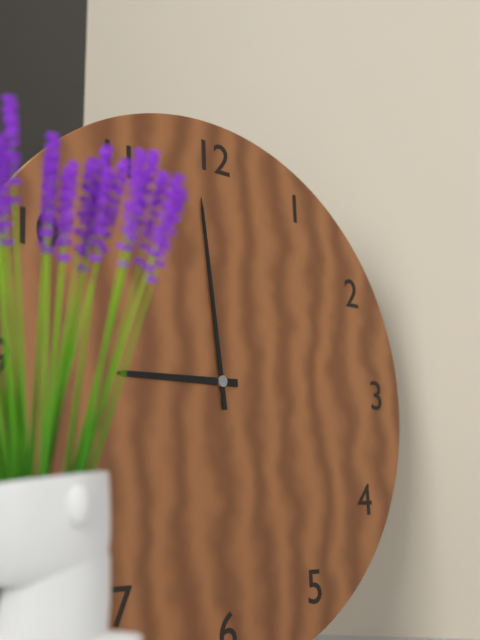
8:59
